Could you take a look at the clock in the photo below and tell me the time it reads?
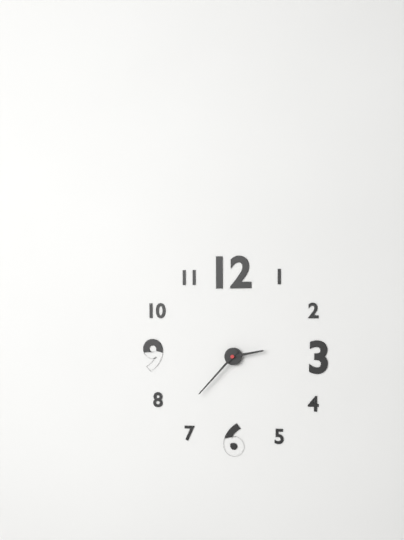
2:37
